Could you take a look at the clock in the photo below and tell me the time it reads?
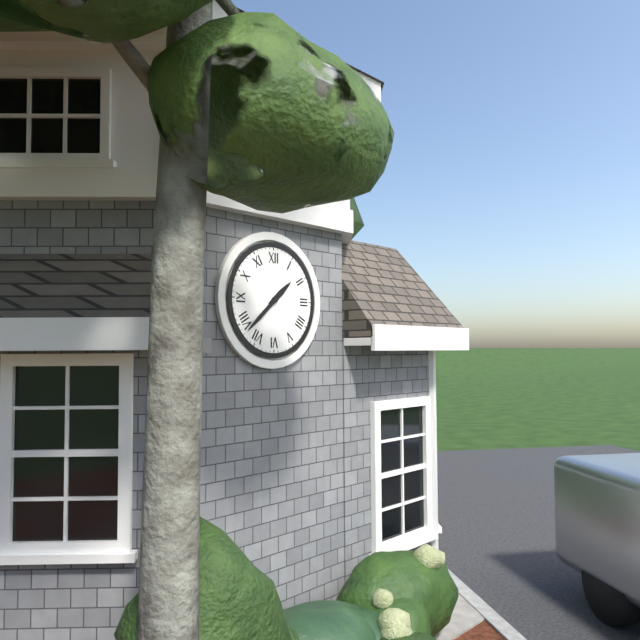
1:38
